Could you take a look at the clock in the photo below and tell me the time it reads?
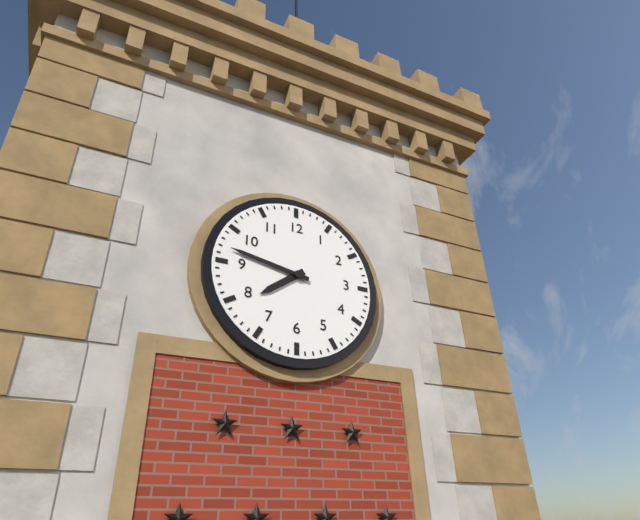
7:47
